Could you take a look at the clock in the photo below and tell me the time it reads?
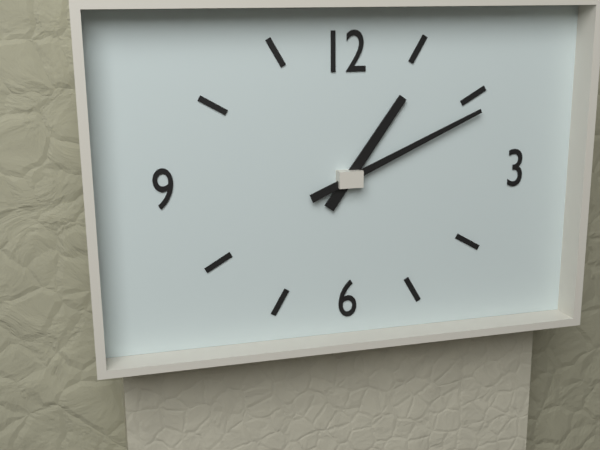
1:11
